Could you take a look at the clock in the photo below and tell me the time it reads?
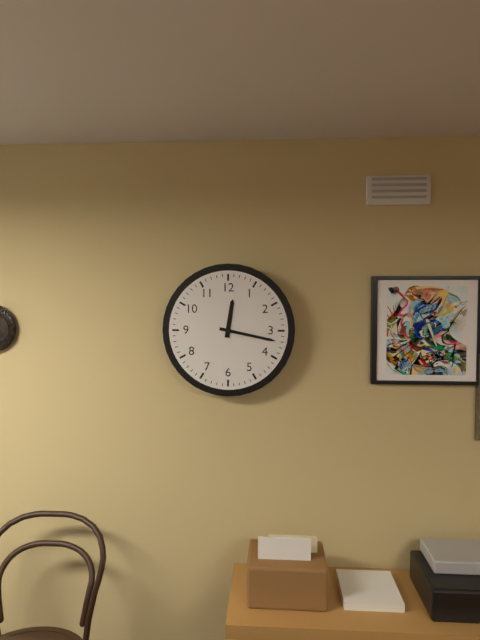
12:17
